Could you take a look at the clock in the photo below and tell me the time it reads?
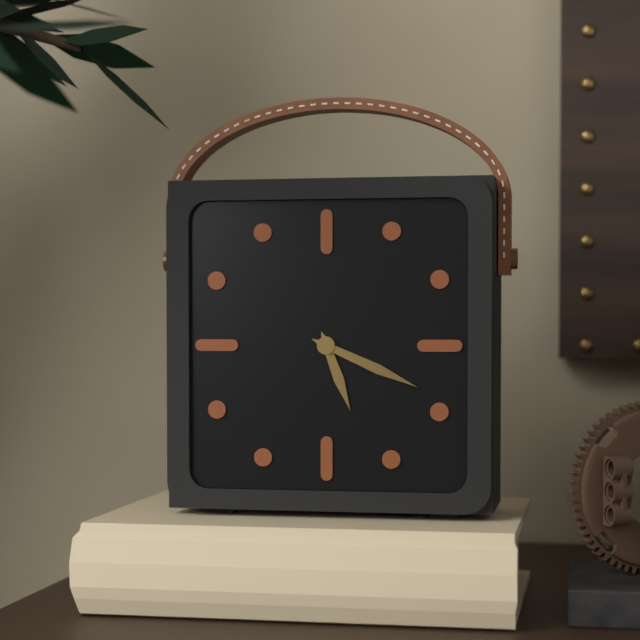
5:19
